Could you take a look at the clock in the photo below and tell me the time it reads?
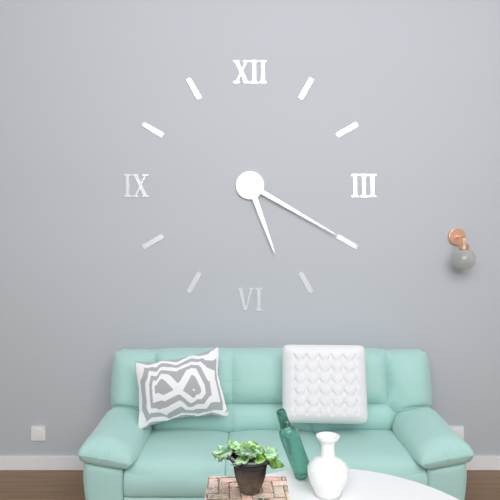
5:20
